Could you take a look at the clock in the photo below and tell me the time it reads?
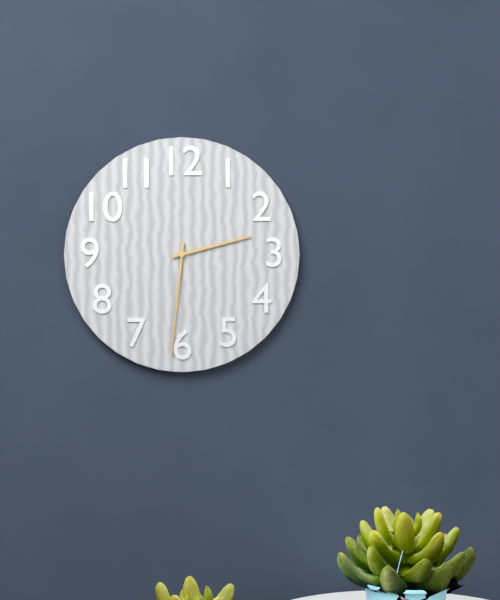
2:31
